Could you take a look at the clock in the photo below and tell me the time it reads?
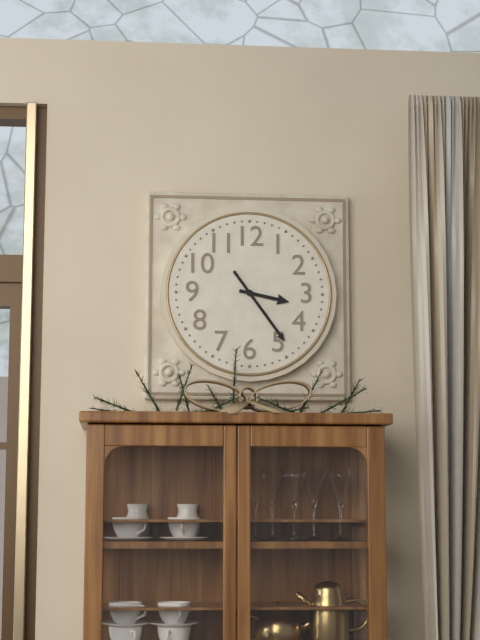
3:24
